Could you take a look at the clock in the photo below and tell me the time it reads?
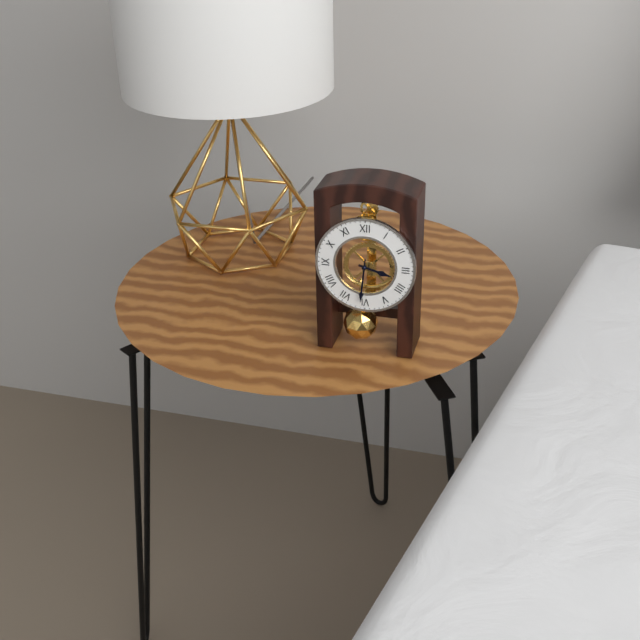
3:31
